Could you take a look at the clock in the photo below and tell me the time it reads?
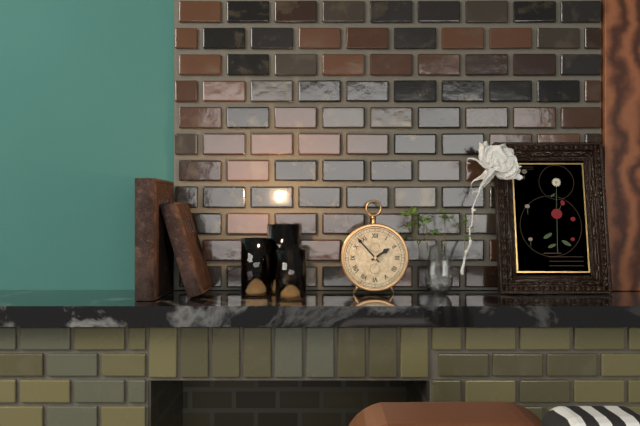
1:53
